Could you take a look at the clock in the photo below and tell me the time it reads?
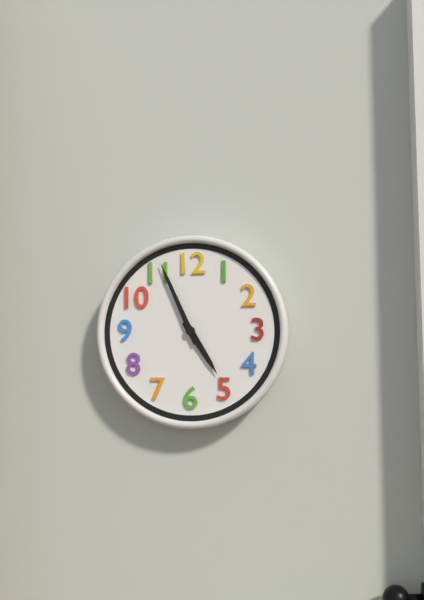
4:56
